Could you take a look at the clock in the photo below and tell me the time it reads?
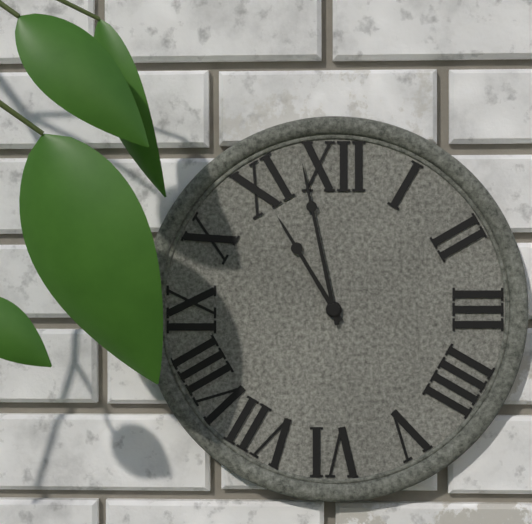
10:58
